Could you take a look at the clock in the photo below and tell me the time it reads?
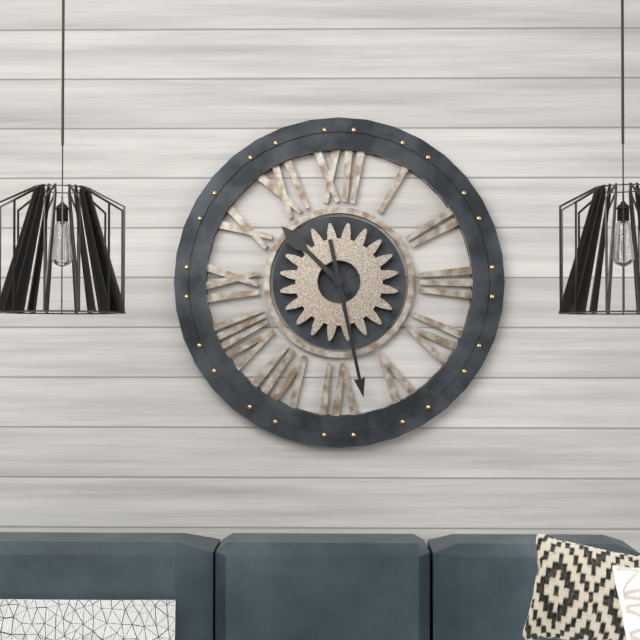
10:28
